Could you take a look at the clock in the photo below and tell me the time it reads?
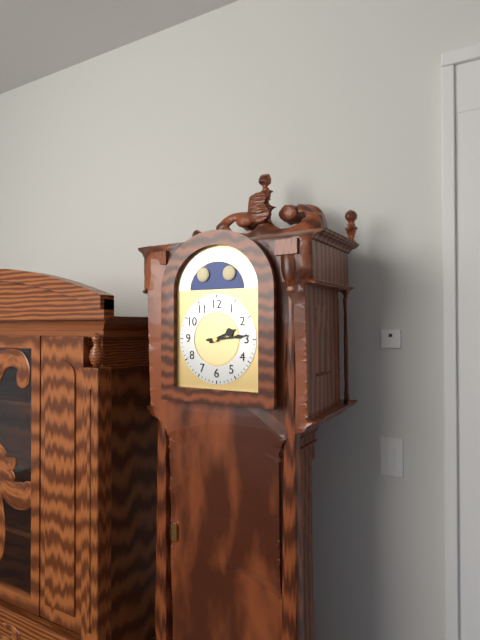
2:14
